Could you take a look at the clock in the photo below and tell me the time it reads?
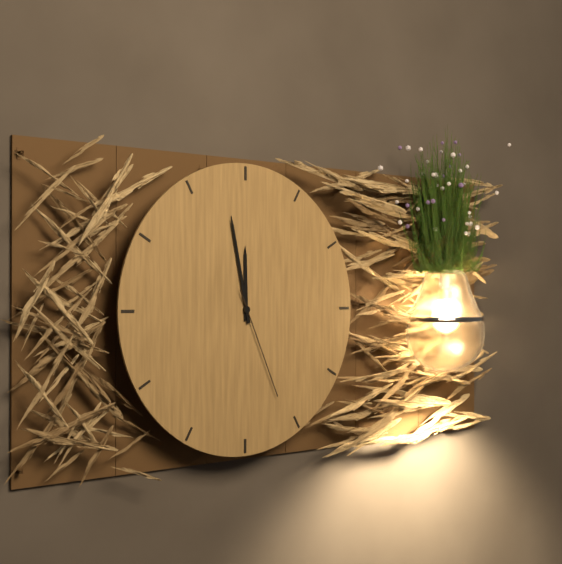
11:58:26
